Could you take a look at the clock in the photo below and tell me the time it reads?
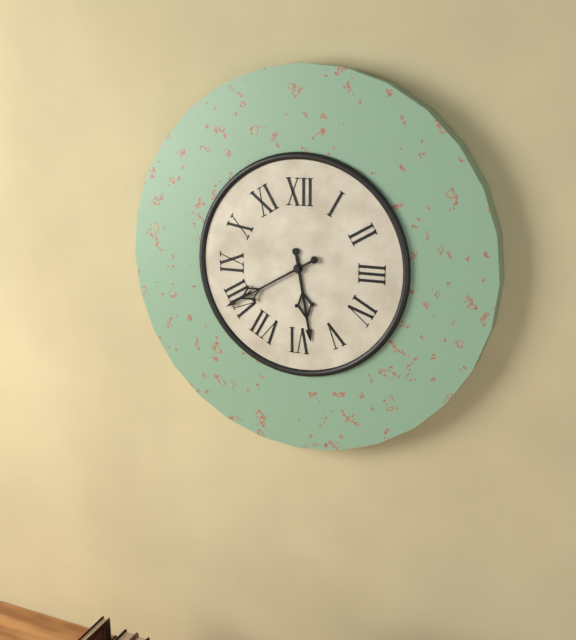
5:40
